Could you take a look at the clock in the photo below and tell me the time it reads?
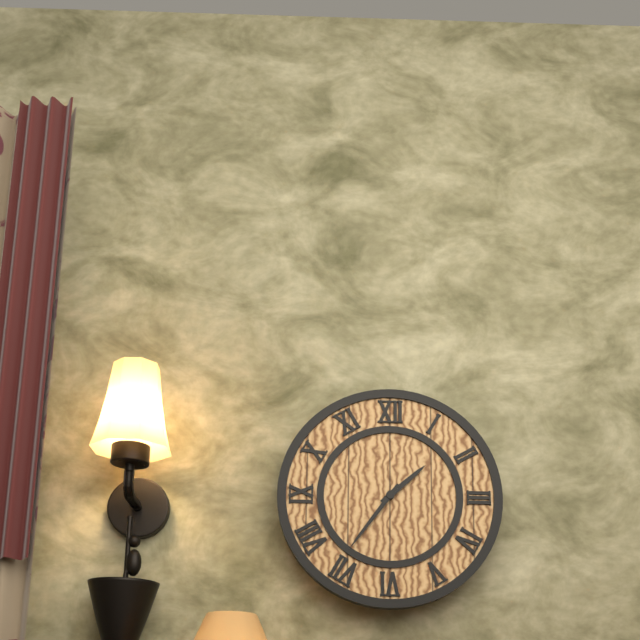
1:36
